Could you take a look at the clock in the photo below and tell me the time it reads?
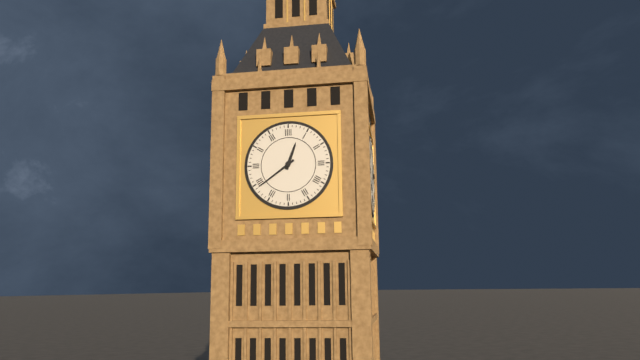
12:39
